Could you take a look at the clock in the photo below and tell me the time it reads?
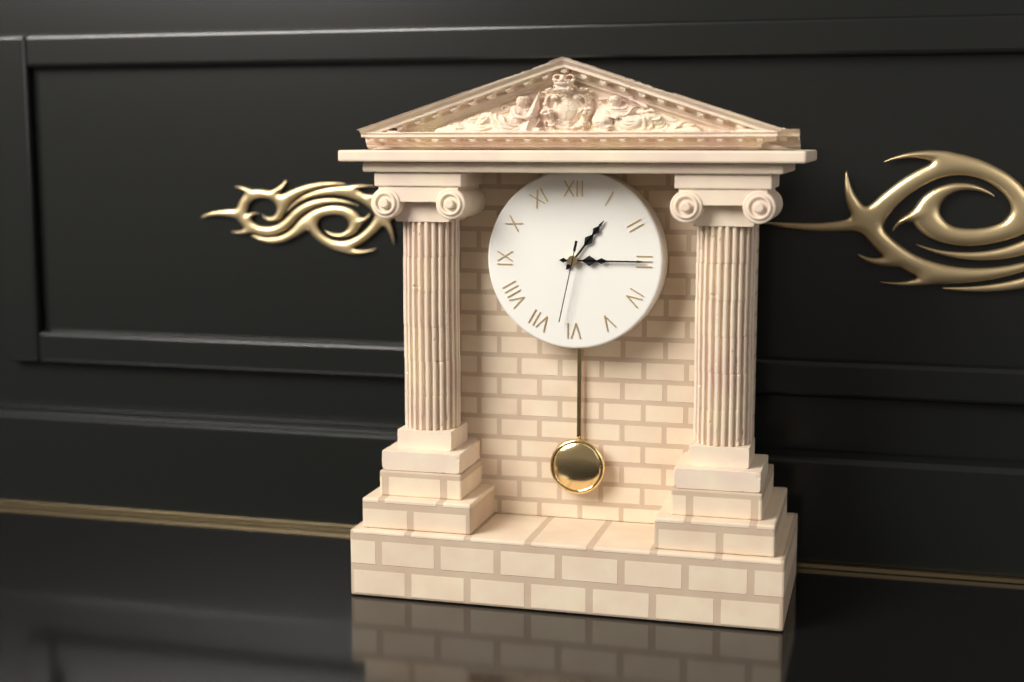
1:15:32
